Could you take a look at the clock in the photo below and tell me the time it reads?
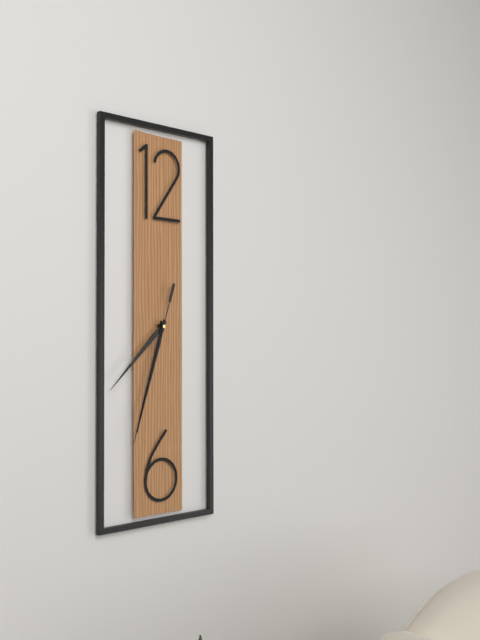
7:33:33
